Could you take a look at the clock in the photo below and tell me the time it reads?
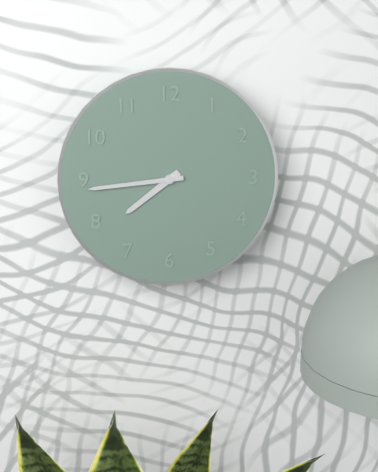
7:44
